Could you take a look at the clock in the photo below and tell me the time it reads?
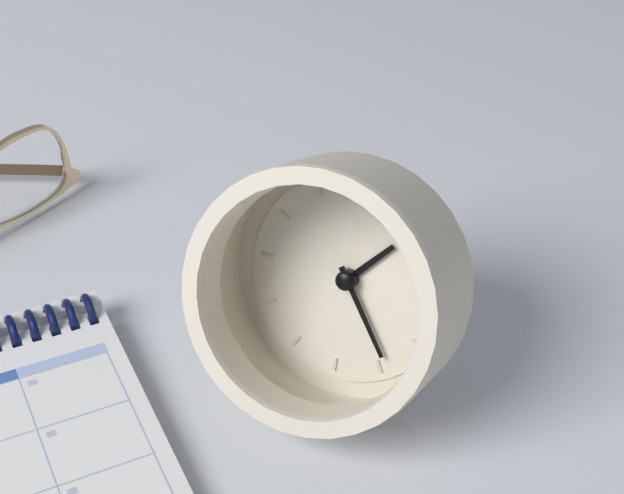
1:24
